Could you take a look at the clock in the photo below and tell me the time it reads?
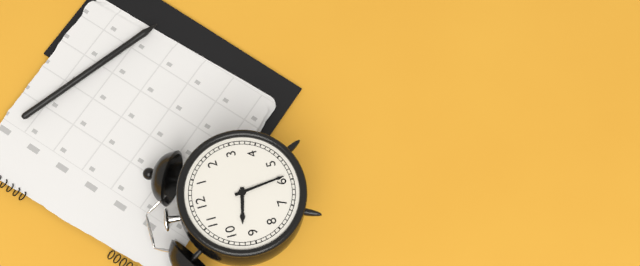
9:29
